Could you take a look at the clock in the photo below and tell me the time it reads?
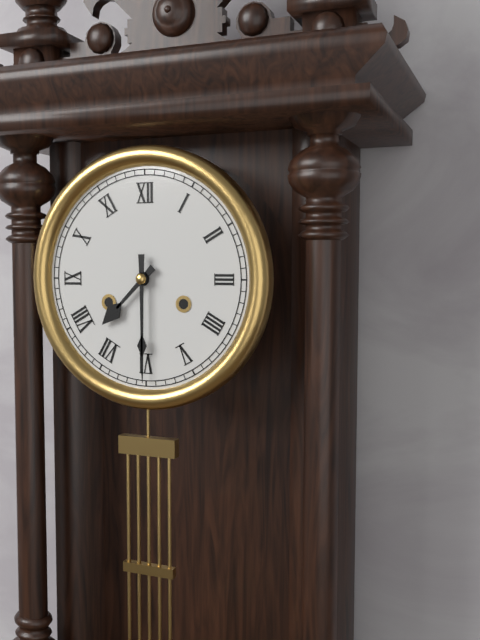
7:30
